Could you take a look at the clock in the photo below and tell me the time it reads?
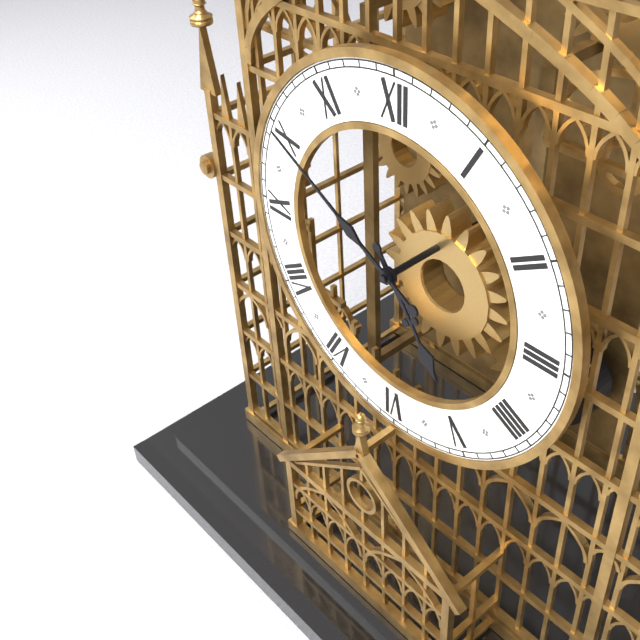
4:50
